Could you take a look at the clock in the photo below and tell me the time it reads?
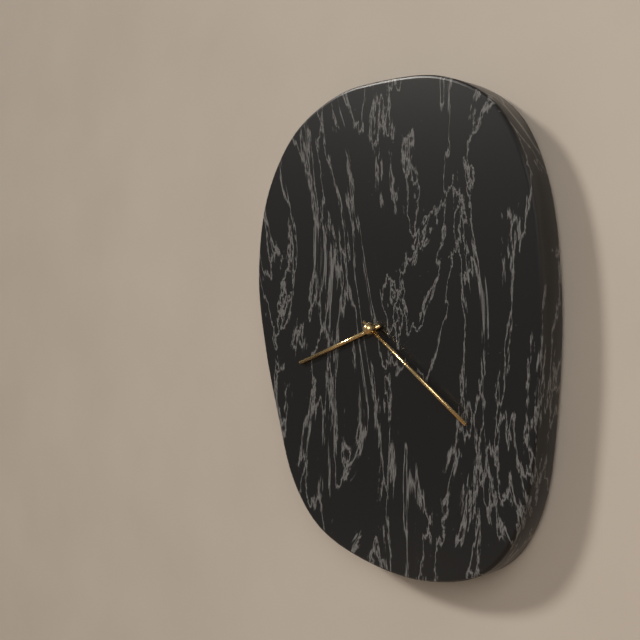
8:21
